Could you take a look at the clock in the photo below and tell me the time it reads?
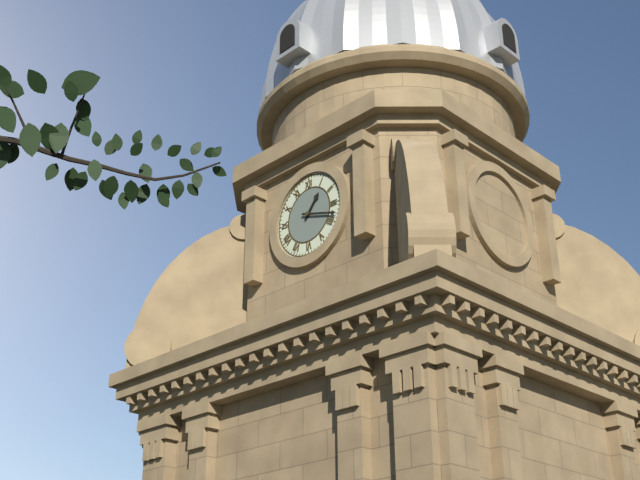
1:18
